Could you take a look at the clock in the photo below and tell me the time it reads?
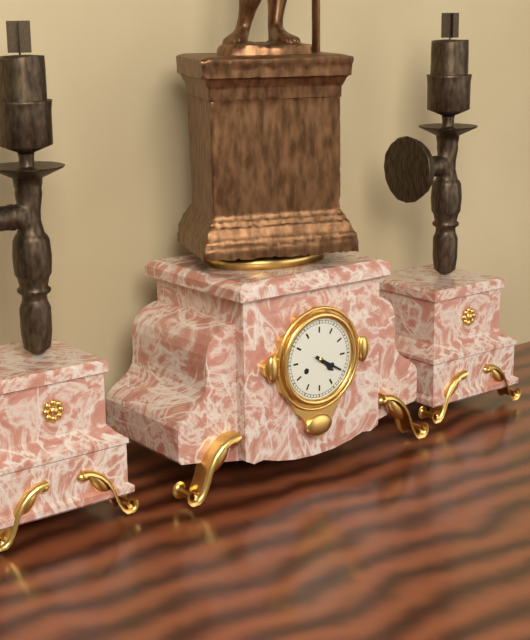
4:20
